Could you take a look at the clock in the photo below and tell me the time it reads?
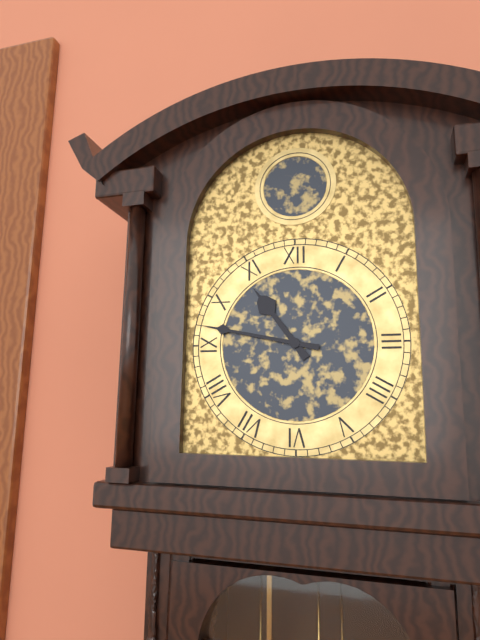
10:47
